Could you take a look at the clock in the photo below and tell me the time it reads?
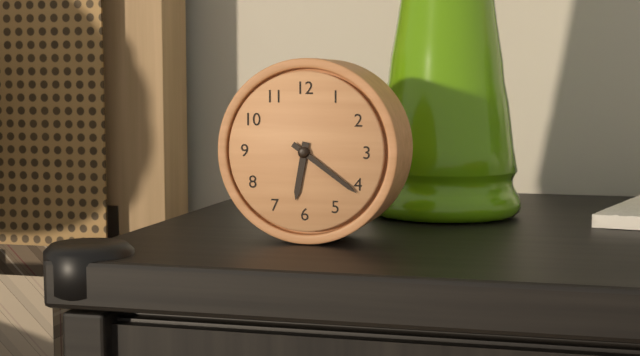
6:21
